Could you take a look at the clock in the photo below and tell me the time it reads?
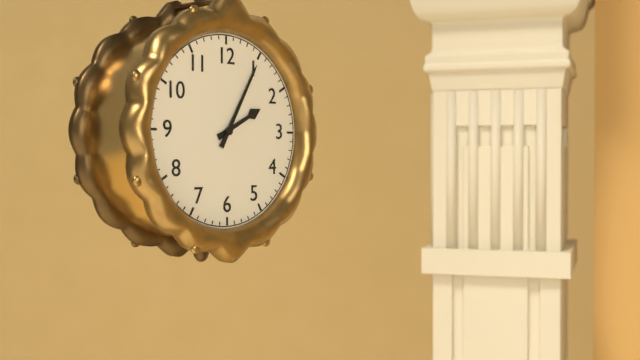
2:05
